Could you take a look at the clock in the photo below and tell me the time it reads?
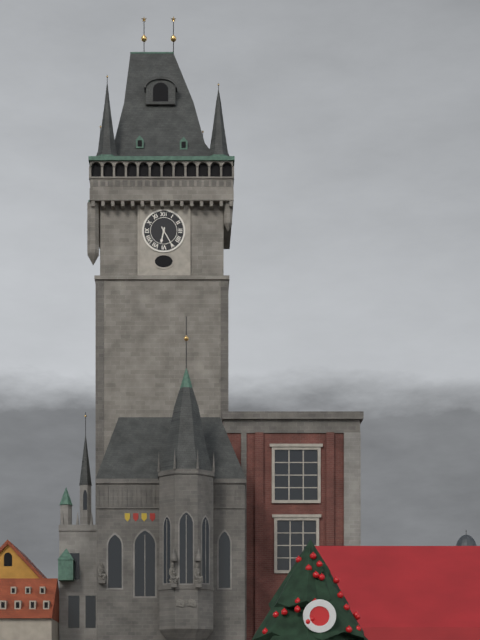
6:25
